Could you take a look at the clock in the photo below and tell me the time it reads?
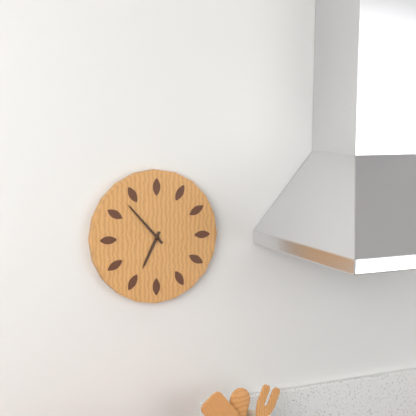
6:53
